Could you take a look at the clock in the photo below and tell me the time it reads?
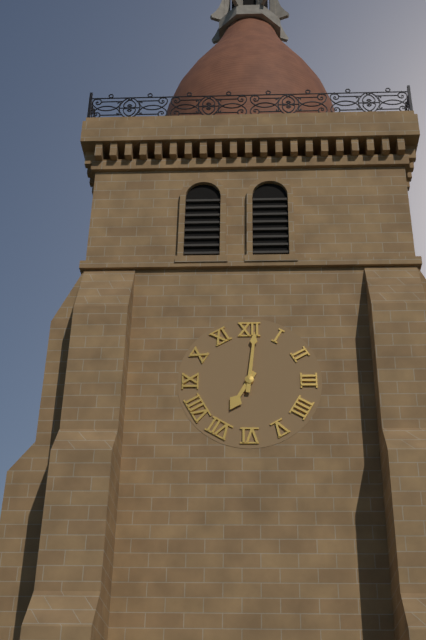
7:01
